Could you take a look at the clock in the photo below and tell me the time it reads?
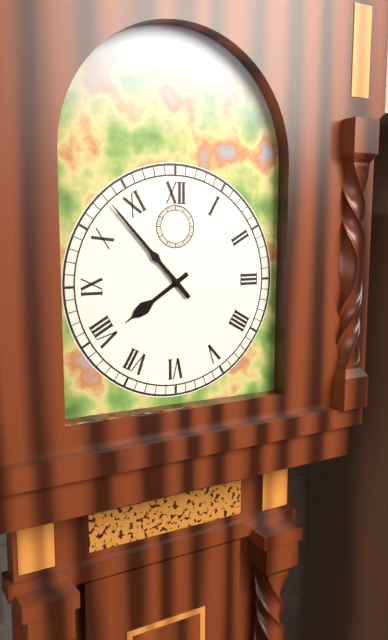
7:53
